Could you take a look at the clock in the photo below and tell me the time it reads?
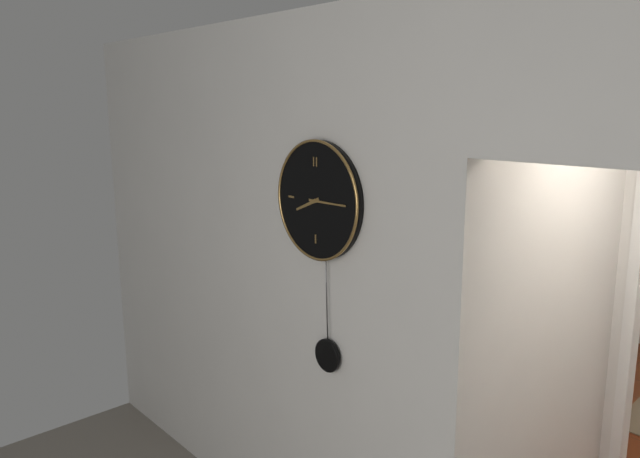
8:15
